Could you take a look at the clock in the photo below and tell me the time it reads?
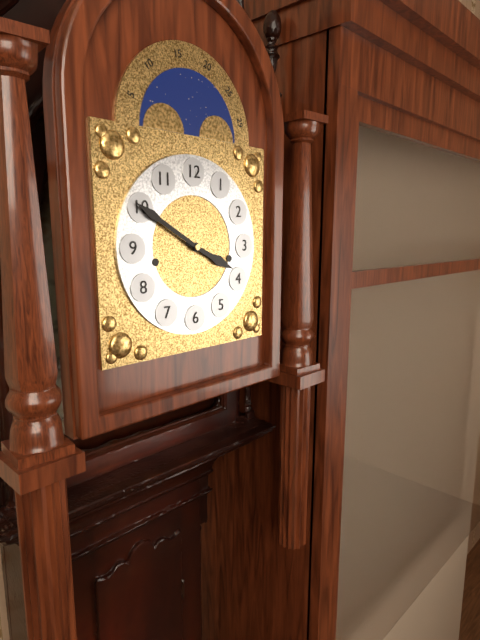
3:50
